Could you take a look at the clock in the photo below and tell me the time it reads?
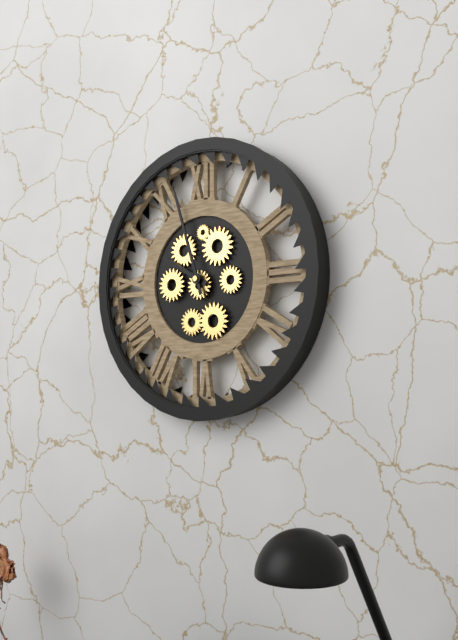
9:57
